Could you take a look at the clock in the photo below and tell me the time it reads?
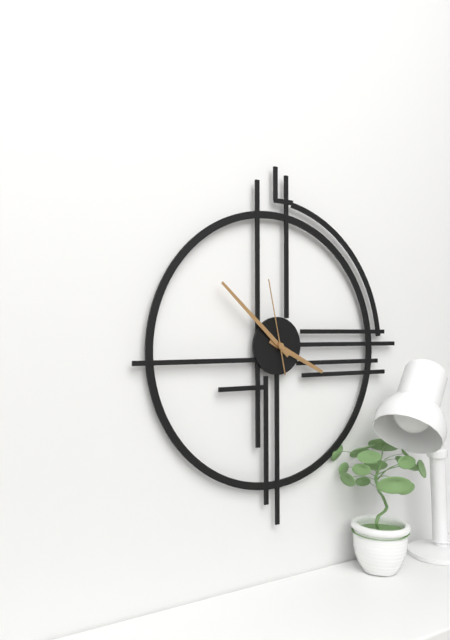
3:52:58
